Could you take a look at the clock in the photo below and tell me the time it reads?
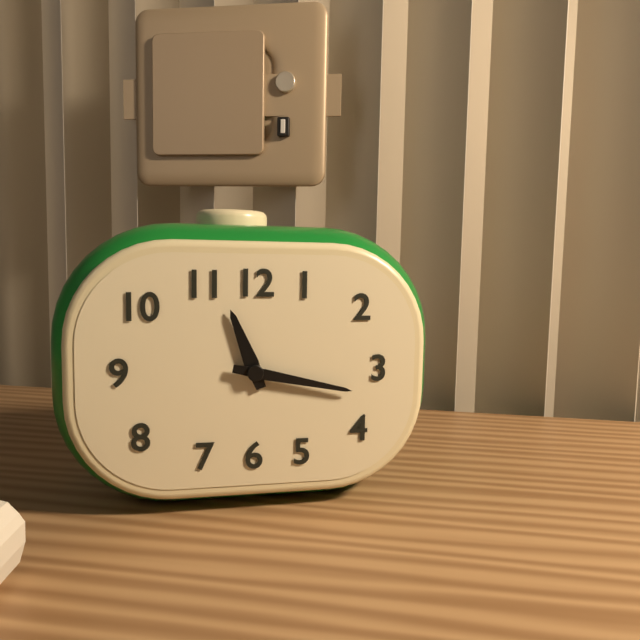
11:17
